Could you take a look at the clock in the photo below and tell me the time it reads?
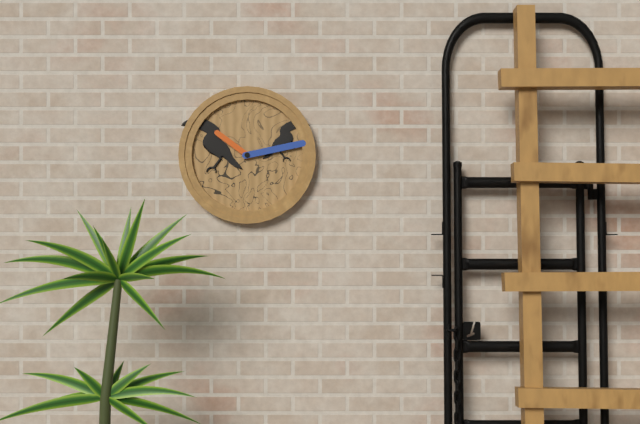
10:13
